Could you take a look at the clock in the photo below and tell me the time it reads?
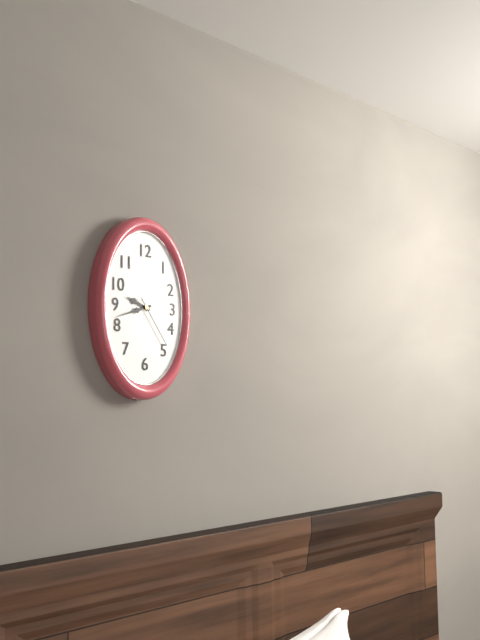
9:42:24
